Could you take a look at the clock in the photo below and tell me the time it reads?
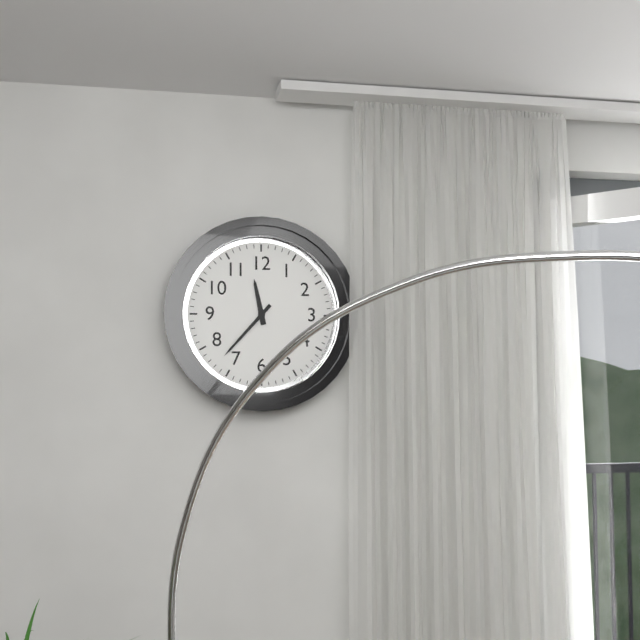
11:37
